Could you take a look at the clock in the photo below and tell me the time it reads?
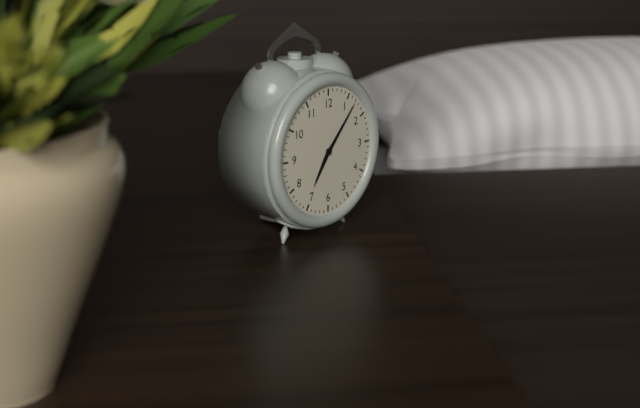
7:07
